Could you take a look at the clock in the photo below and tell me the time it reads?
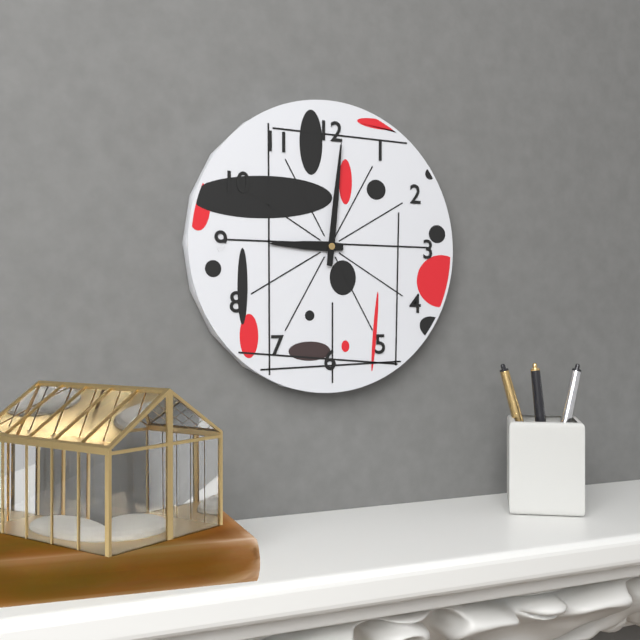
9:01
